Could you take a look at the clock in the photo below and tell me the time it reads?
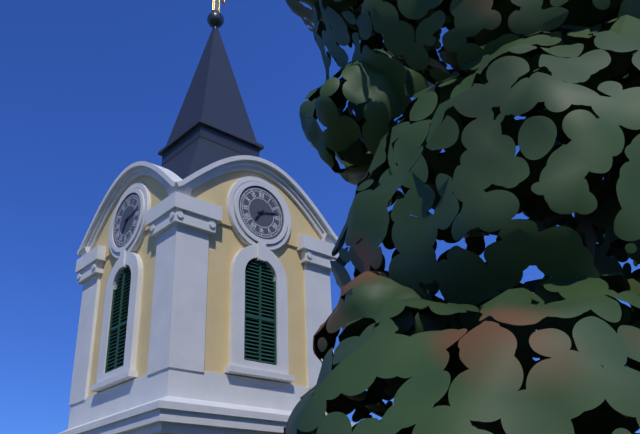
7:13
